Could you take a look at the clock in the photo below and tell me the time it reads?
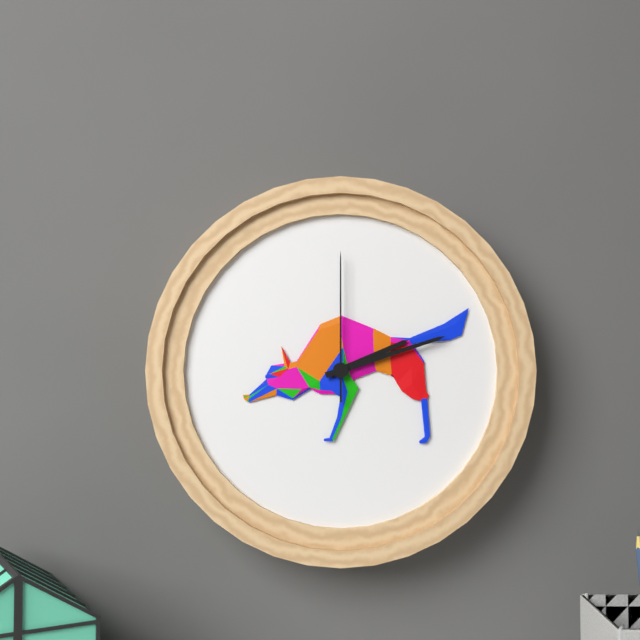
2:12:00
